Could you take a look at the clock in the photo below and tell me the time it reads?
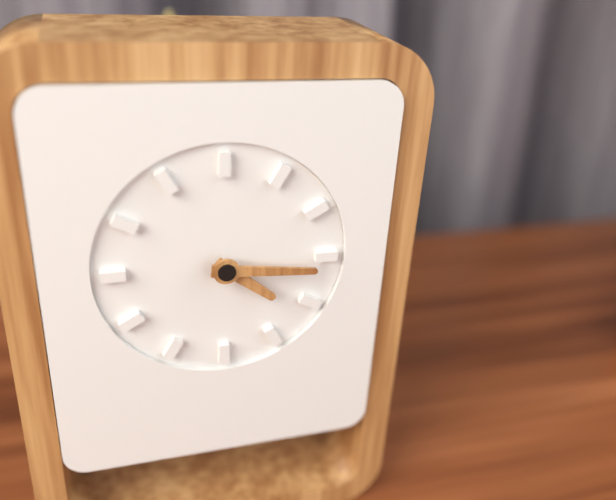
4:16
